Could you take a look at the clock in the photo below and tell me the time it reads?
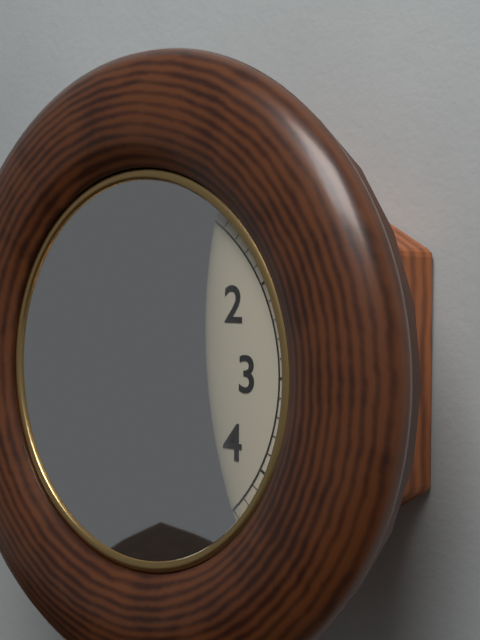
12:52
